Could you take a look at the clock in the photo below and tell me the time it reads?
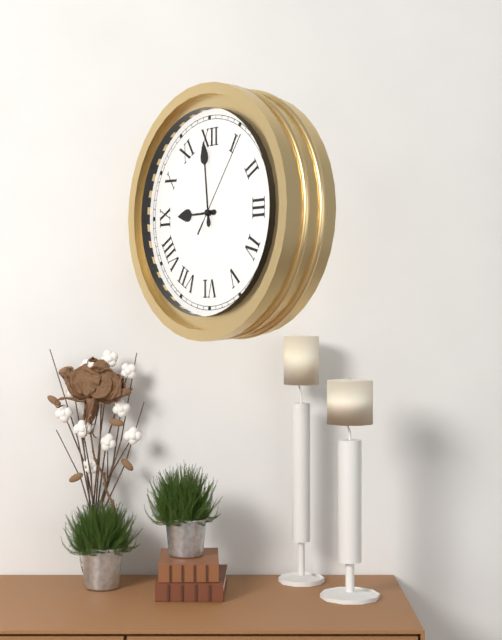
8:59:06
